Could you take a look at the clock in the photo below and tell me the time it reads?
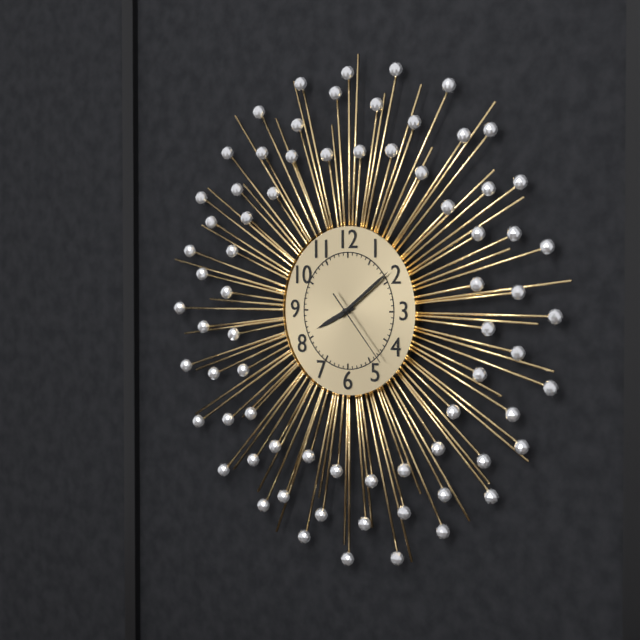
8:09:23
